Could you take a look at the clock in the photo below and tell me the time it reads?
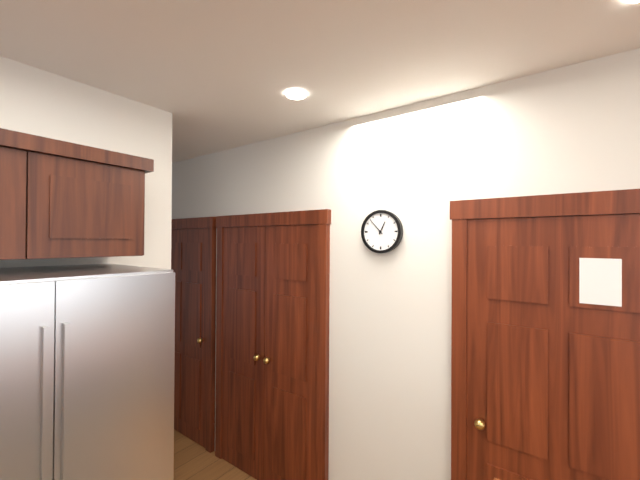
12:53
